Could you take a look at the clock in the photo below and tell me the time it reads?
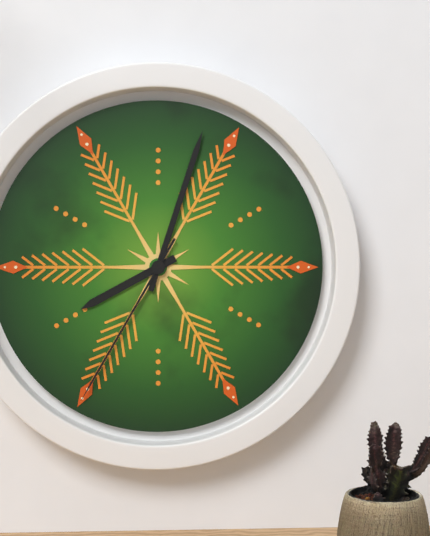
8:03:35
